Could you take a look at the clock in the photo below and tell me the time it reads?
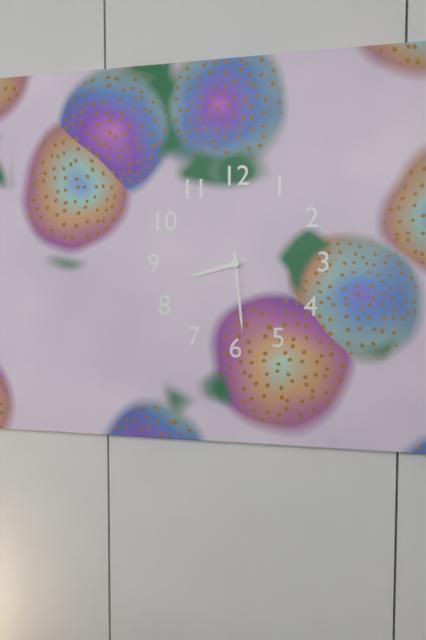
8:29
